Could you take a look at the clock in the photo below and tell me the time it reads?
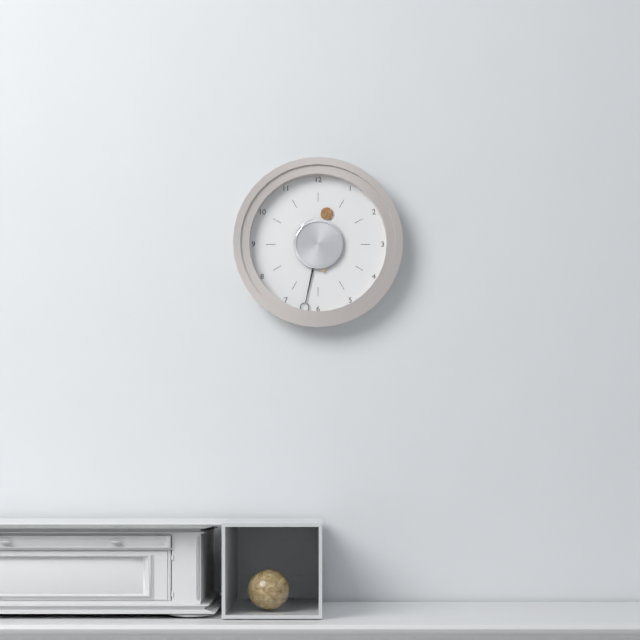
12:32
